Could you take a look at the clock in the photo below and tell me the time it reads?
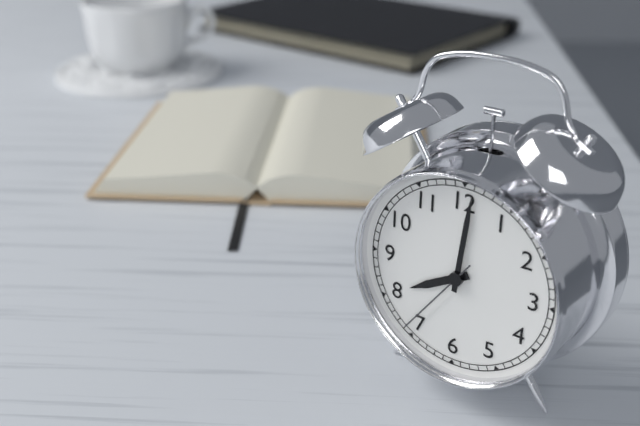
8:01:36
